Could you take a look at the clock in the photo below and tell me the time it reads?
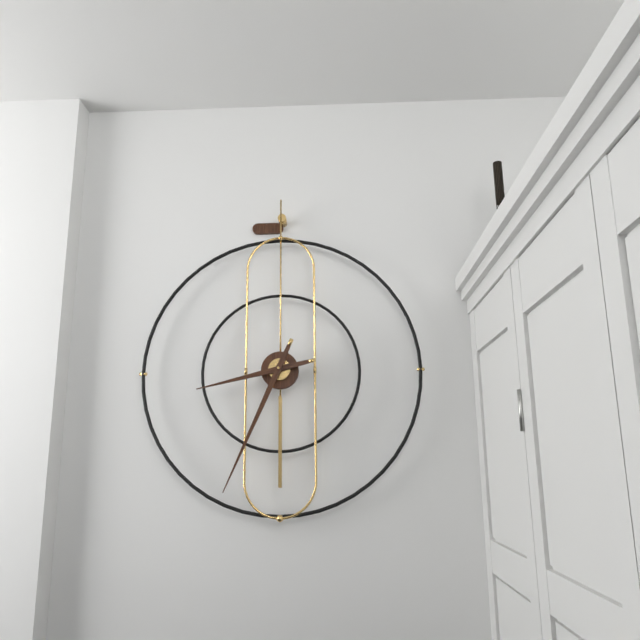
8:34
